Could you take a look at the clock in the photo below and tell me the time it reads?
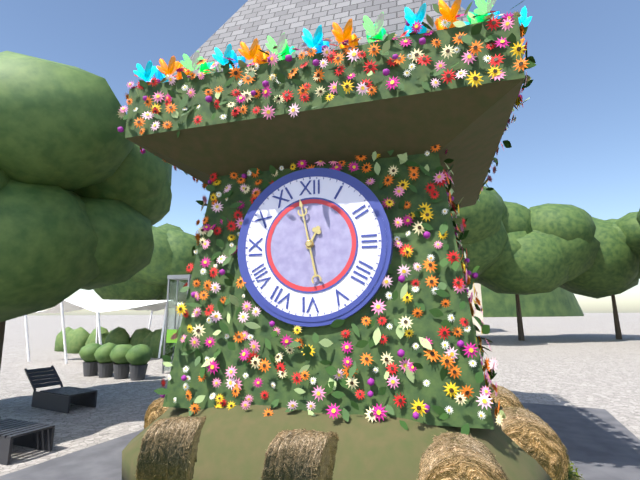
12:58
